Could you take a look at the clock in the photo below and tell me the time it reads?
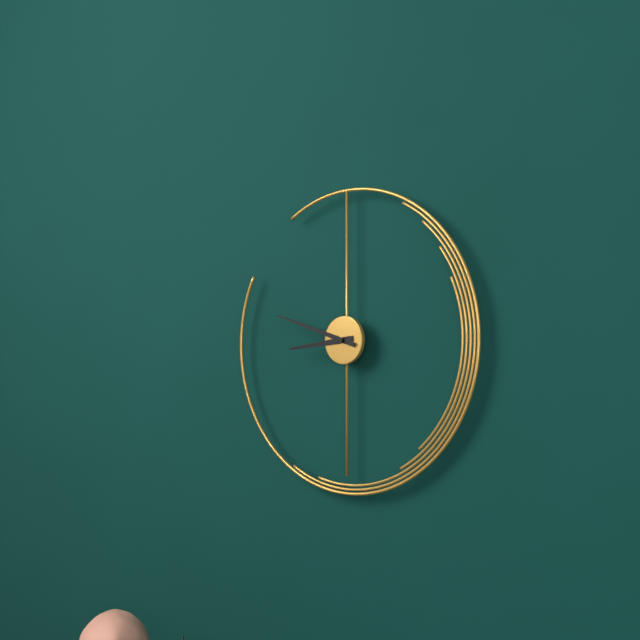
8:48
